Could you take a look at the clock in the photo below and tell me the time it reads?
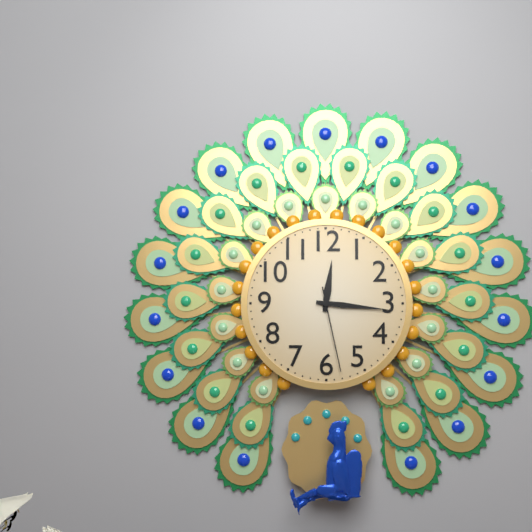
12:16:28
